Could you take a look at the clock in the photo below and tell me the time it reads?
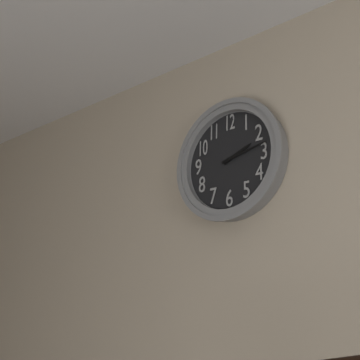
2:13
